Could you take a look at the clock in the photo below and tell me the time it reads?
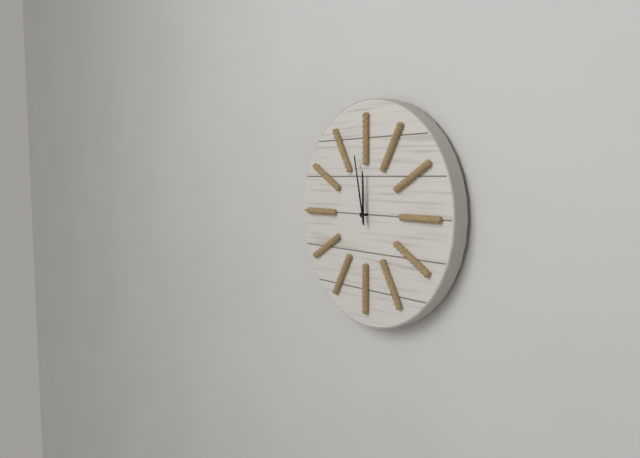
11:58
